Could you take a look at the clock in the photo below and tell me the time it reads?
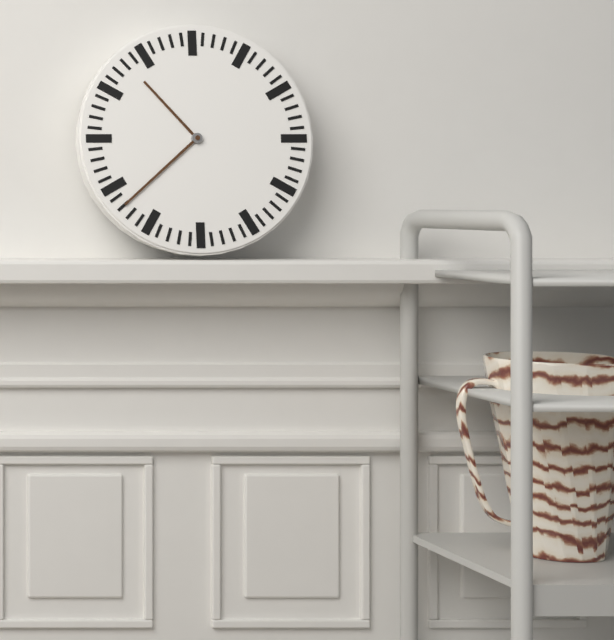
10:38
